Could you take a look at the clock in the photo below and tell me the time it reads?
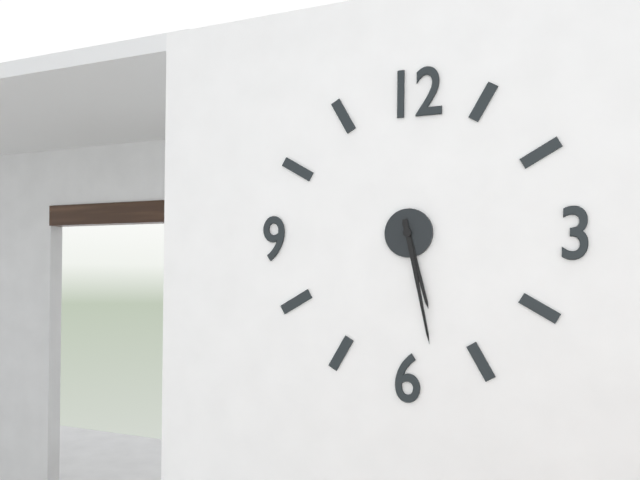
5:28
